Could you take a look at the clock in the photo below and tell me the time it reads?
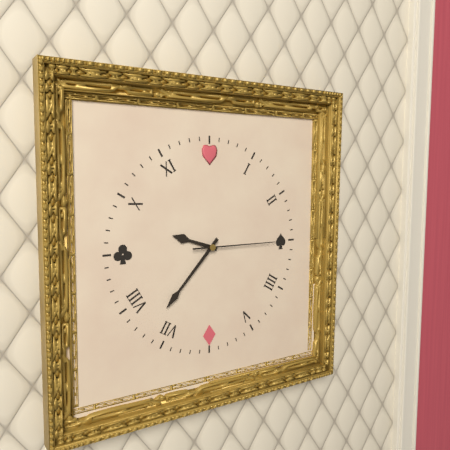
9:37:15
